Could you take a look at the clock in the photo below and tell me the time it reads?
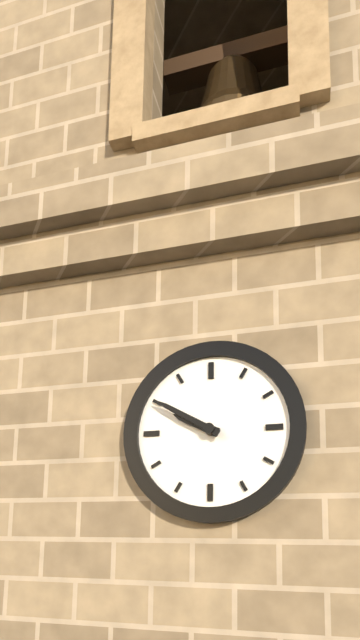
9:50
